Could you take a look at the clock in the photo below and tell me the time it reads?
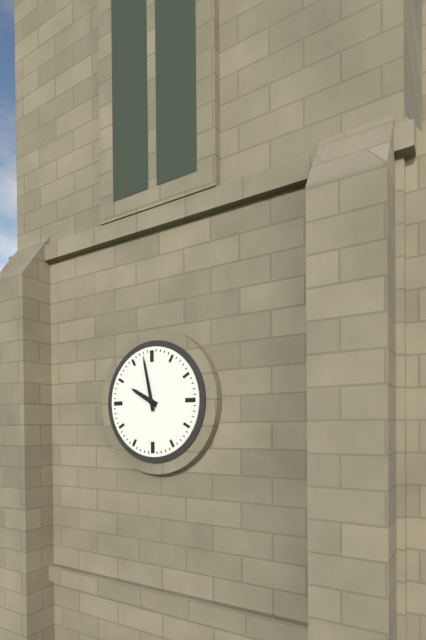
9:58
